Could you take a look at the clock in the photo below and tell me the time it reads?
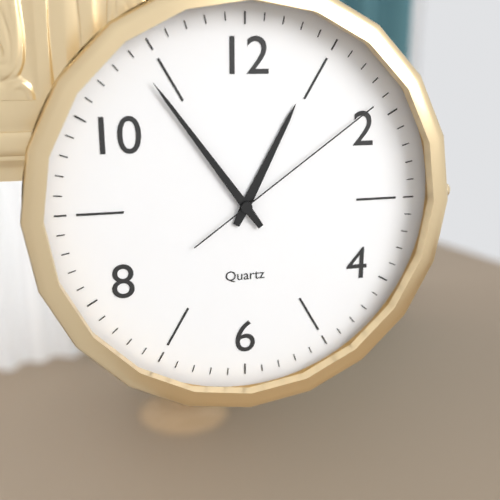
12:54:09
